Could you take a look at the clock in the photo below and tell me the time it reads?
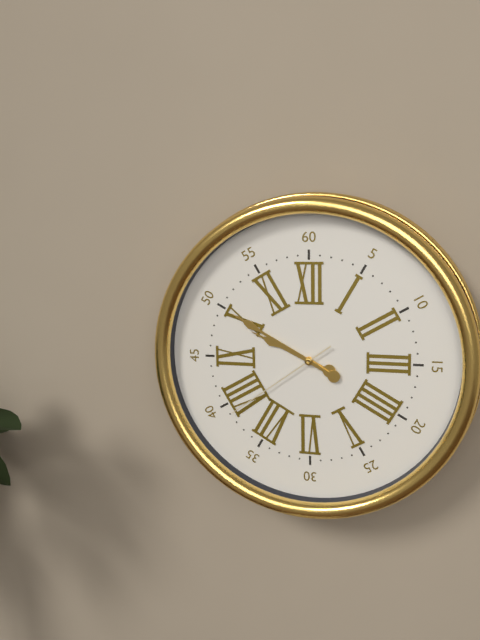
9:50:39
